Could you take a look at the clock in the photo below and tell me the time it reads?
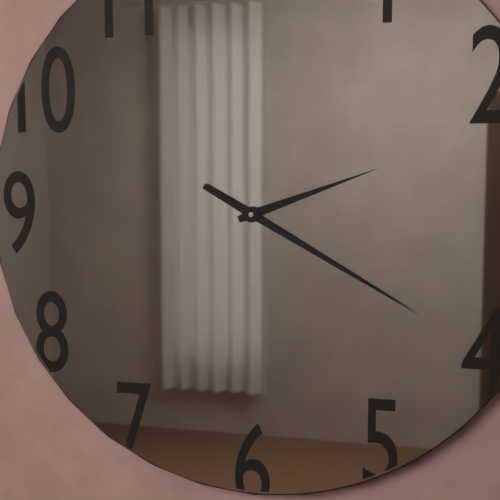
2:20
